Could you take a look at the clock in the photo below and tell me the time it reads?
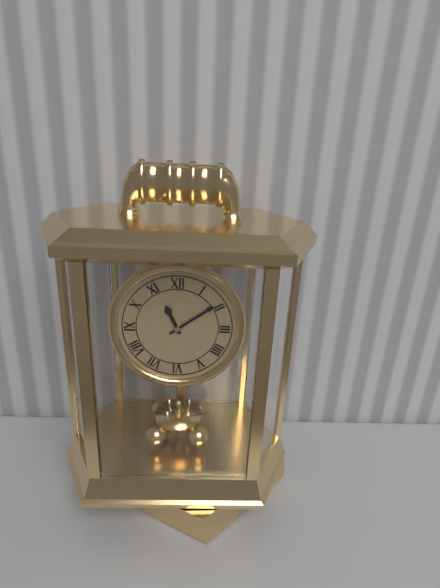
11:09
